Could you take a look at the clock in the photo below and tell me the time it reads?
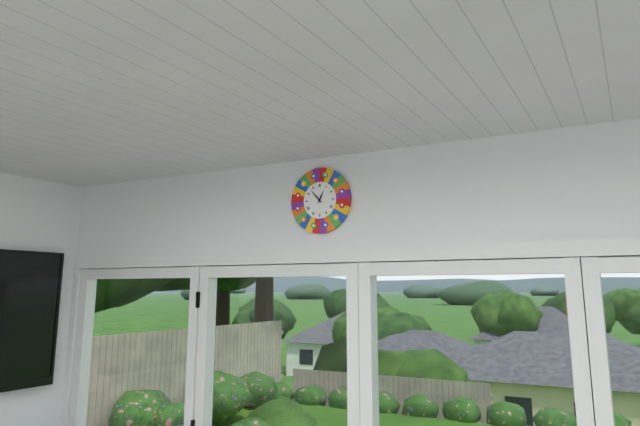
12:53
